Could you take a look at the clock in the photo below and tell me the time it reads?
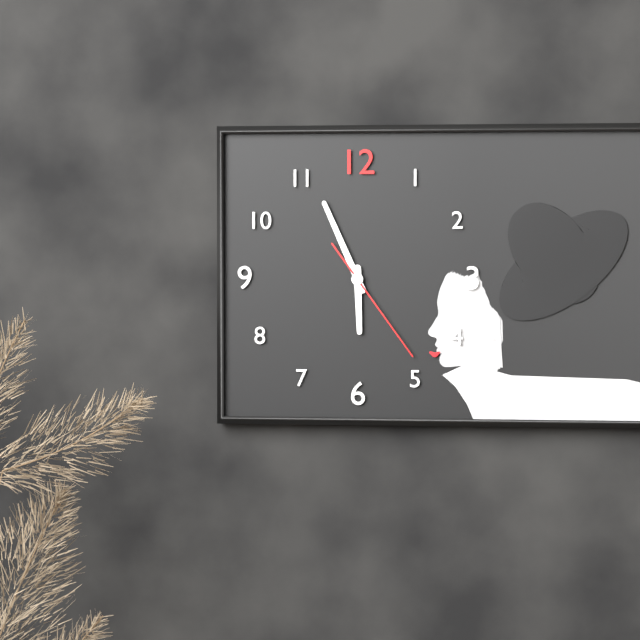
5:56:24
